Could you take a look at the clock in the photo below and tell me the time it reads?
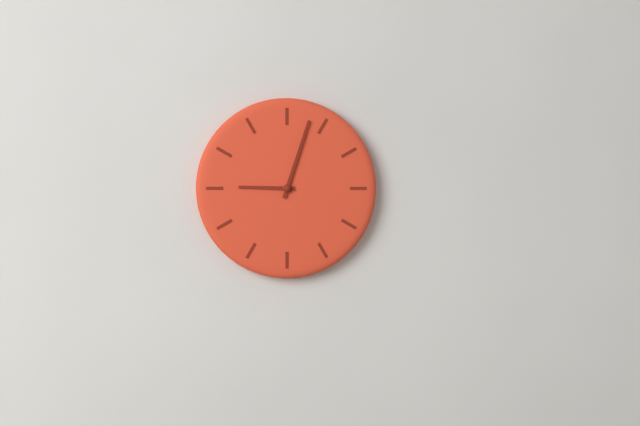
9:03
